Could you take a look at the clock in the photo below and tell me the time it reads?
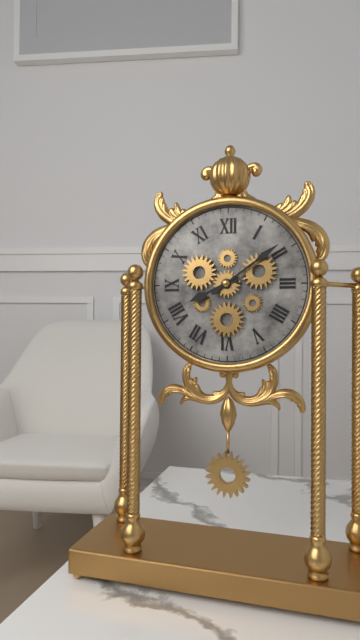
8:09
